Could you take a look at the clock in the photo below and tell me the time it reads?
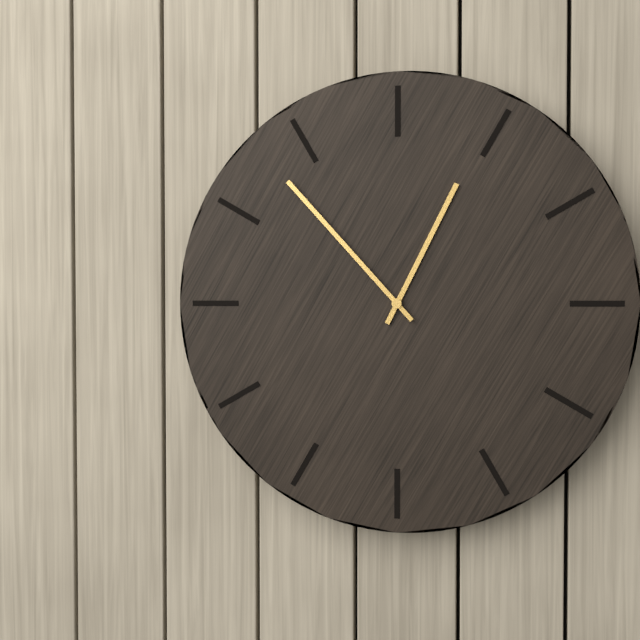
12:53
